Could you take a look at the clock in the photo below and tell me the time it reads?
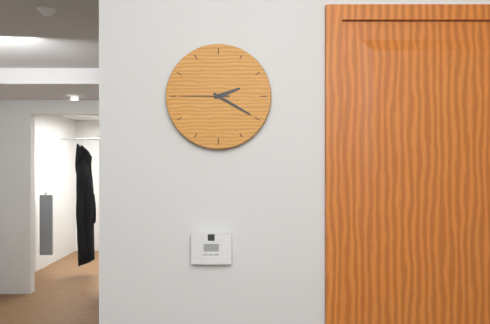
2:20
